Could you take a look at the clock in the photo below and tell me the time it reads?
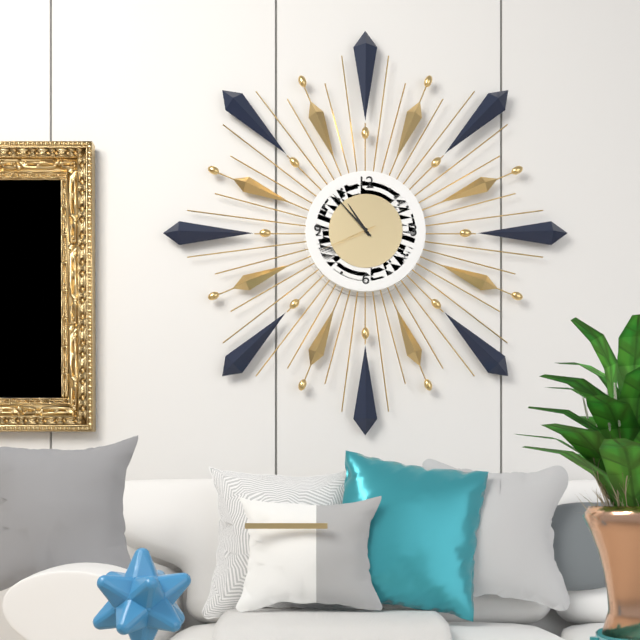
10:53:41
